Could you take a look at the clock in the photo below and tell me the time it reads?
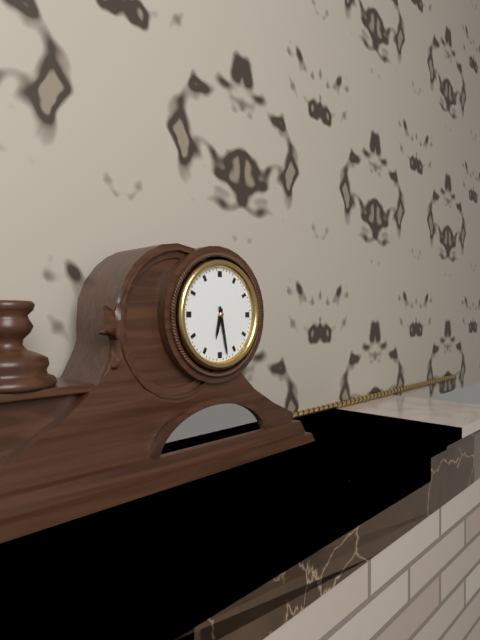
6:28
